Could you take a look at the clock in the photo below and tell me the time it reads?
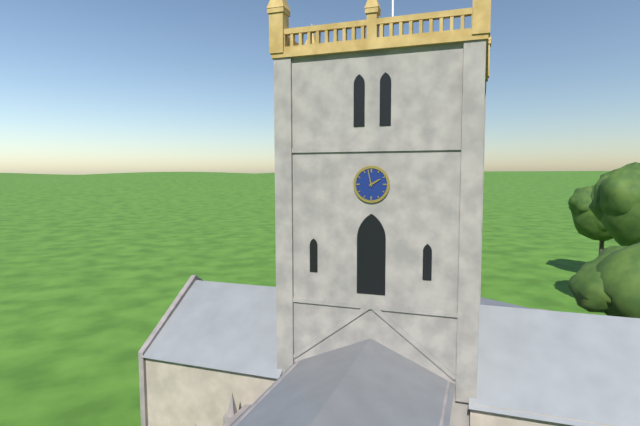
1:58
